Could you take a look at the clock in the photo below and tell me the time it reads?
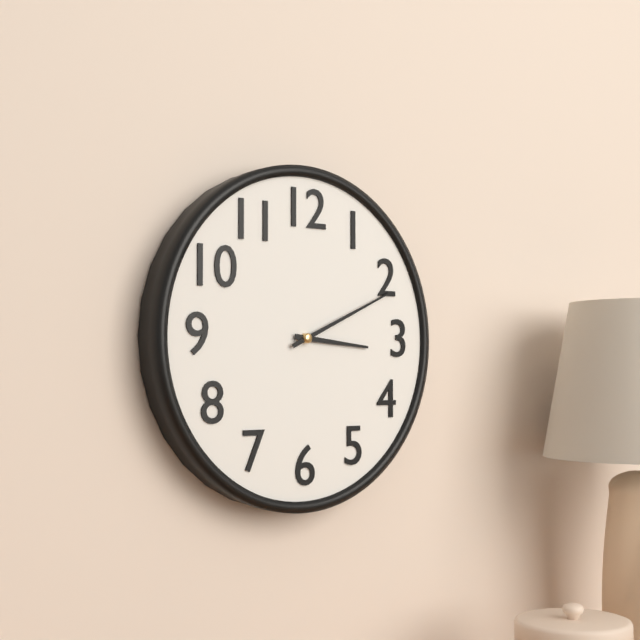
3:11
